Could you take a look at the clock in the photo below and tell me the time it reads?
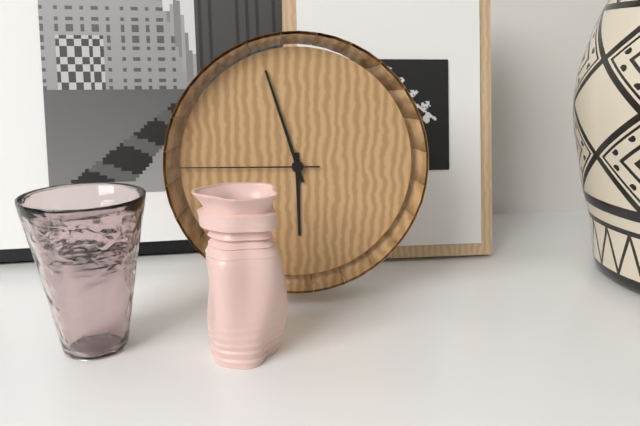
5:57:45
